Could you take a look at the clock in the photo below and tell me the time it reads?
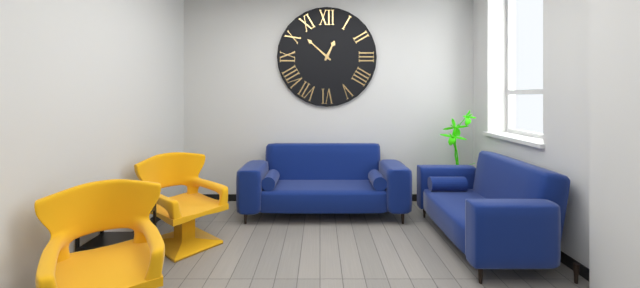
12:52
